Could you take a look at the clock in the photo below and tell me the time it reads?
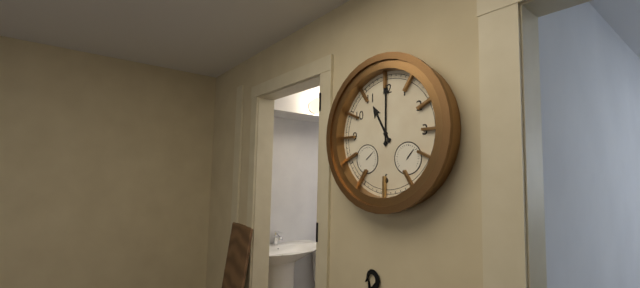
11:00
